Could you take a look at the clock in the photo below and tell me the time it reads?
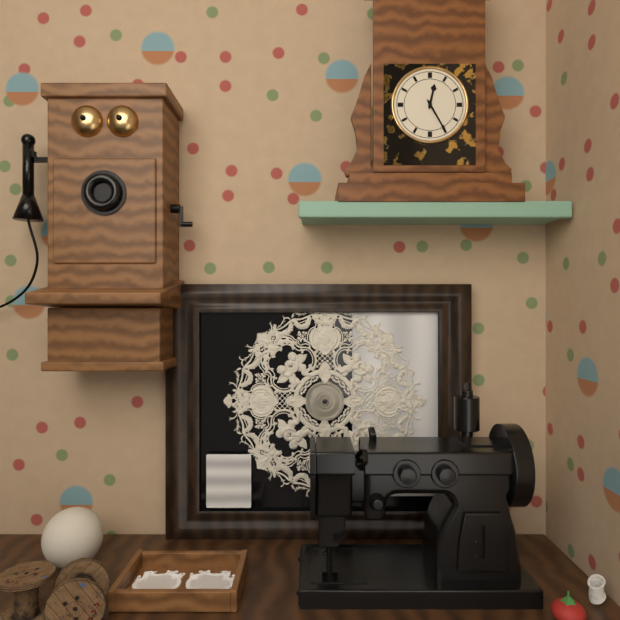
12:25
